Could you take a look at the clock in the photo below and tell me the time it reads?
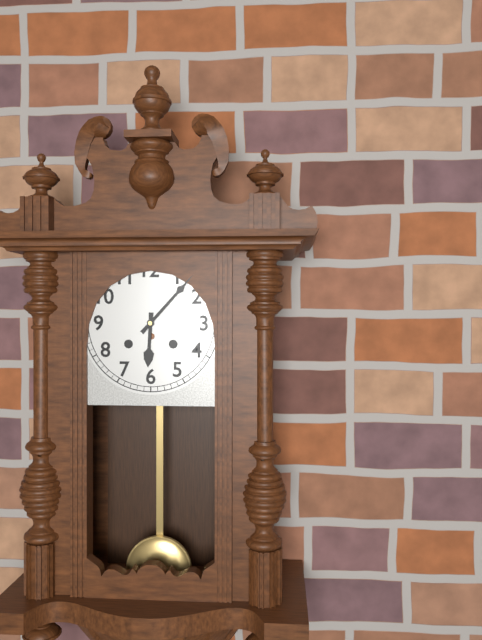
6:07
